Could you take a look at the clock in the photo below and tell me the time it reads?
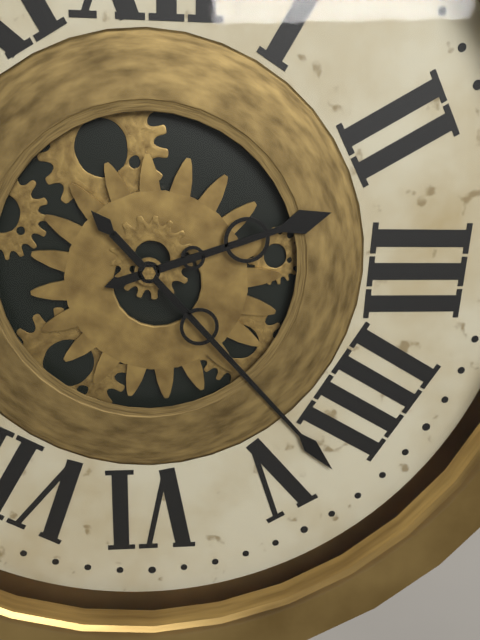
2:23
